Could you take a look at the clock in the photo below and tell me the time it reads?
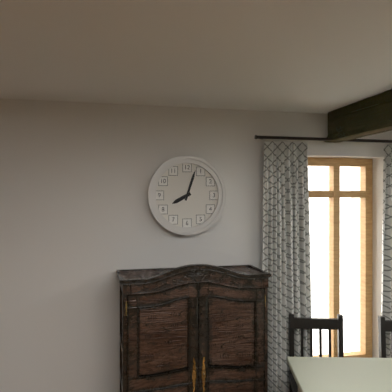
8:03
